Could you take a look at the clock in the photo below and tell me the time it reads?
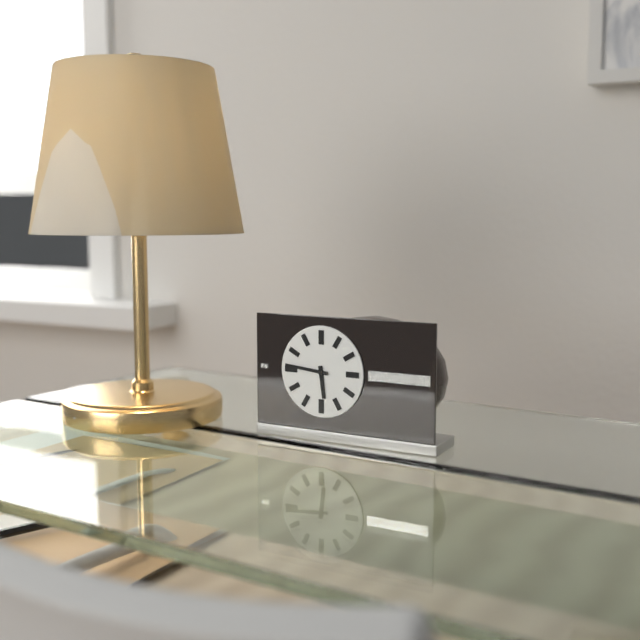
5:46
